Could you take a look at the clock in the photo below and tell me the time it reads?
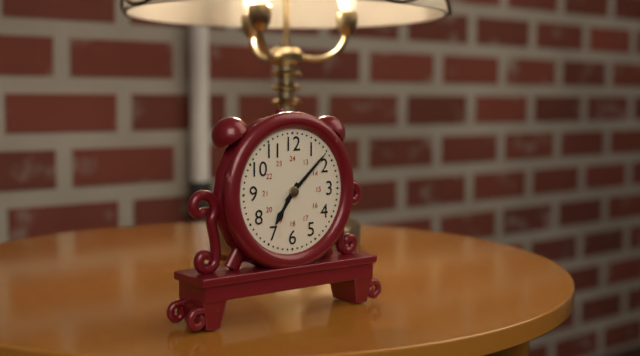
7:08
